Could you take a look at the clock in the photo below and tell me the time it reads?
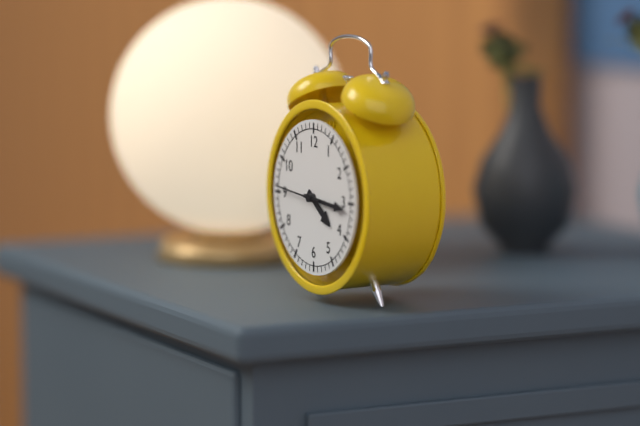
4:16:46
